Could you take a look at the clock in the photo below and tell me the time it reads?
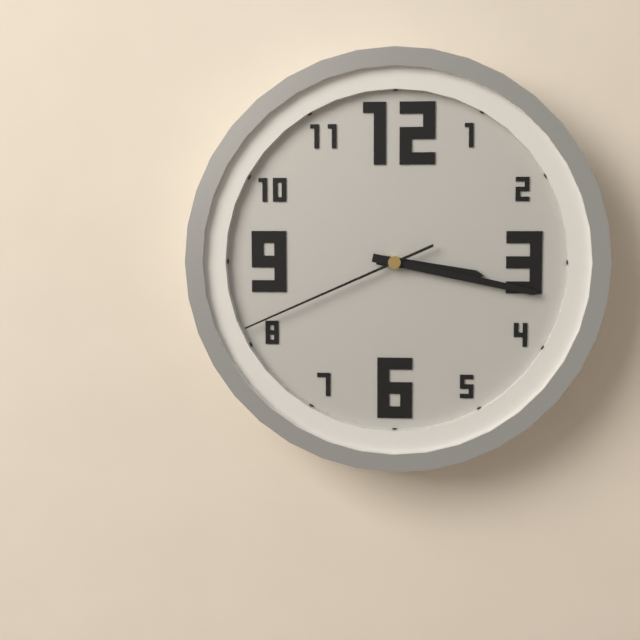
3:17:41
